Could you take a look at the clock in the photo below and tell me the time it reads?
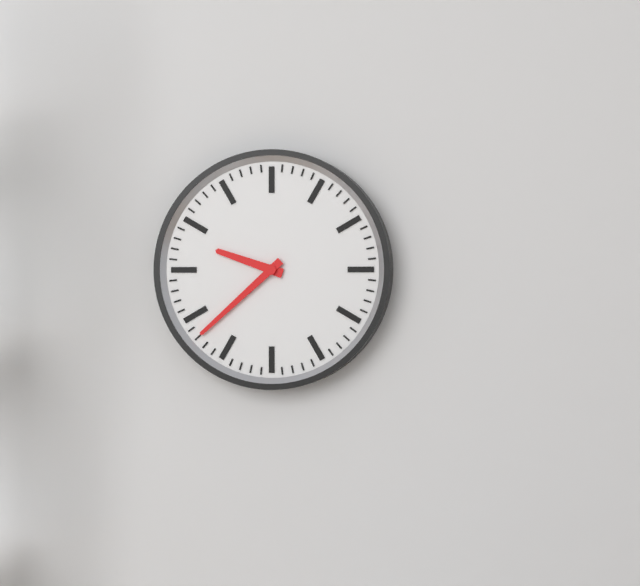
9:38
